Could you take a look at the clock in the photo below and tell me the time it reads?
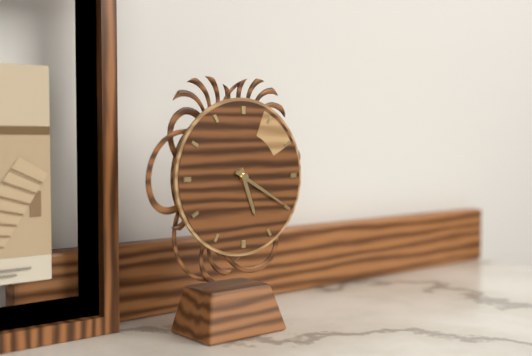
5:20
